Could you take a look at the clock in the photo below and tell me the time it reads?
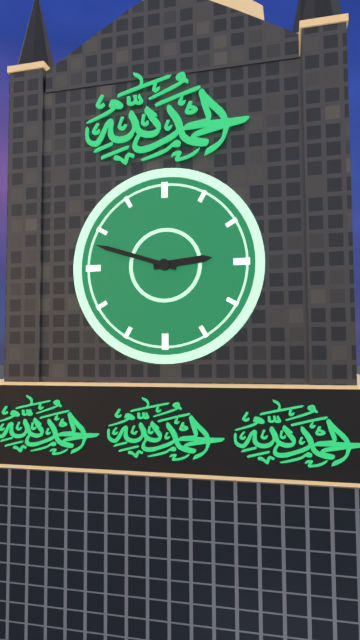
2:48
